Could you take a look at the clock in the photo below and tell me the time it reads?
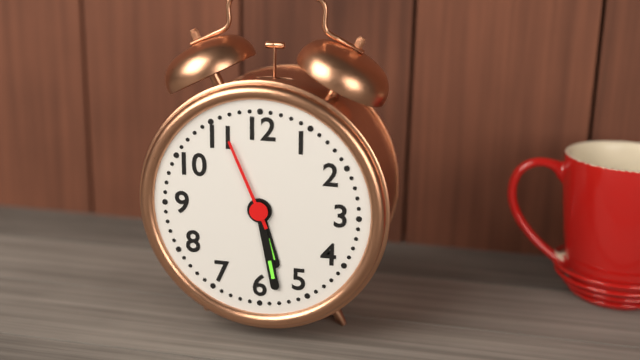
5:28:56
